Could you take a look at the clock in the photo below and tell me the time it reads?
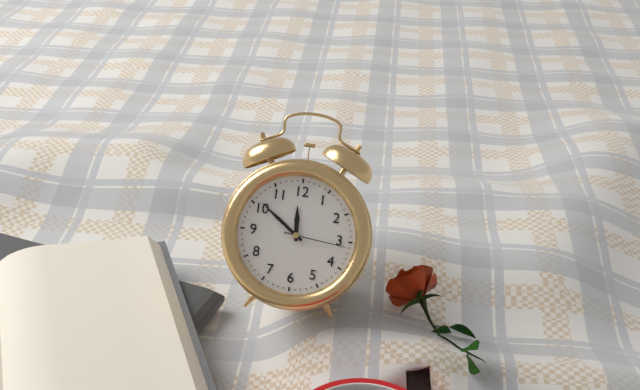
11:51:16
